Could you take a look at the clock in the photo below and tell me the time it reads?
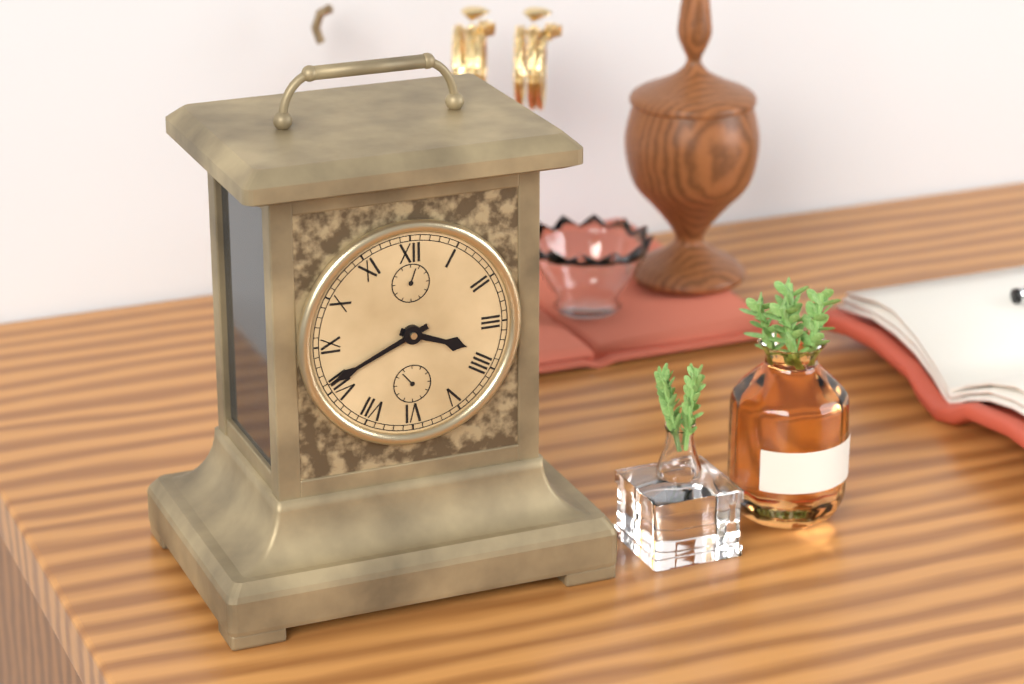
3:41
